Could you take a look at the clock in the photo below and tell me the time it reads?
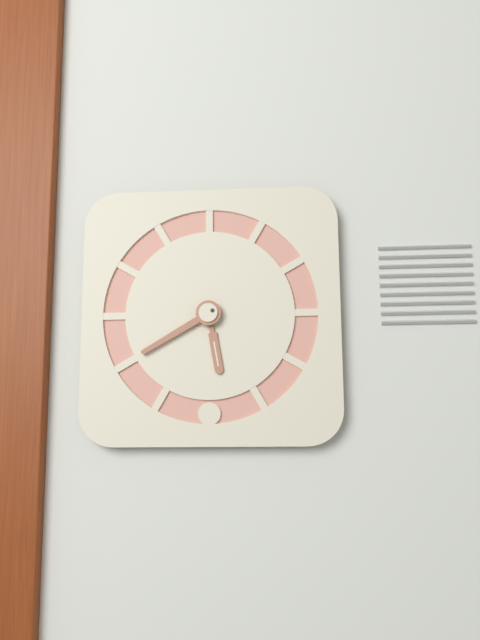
5:40
